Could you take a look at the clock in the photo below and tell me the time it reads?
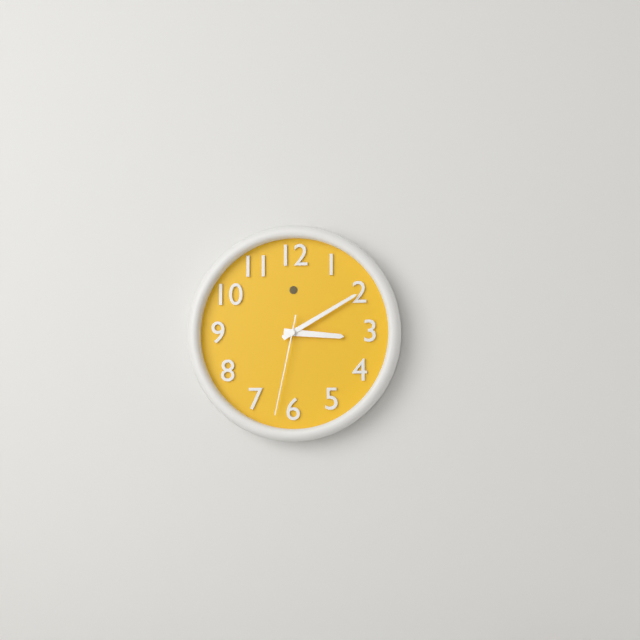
3:10:32
